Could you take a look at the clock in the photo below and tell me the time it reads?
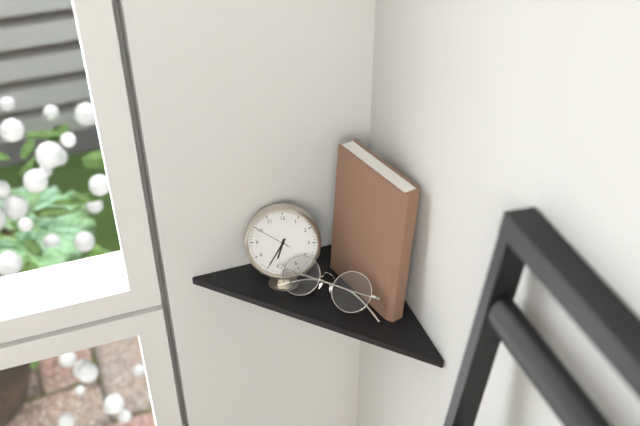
6:35
